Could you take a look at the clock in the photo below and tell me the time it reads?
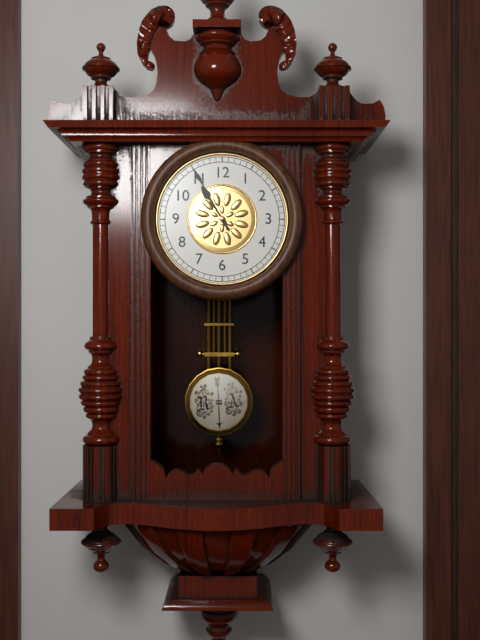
10:55
